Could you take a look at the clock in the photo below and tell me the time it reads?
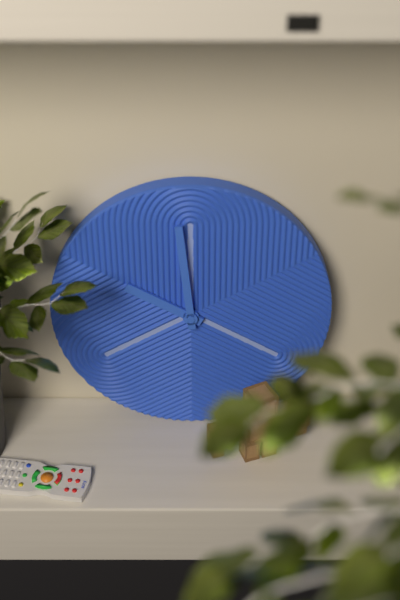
9:59
